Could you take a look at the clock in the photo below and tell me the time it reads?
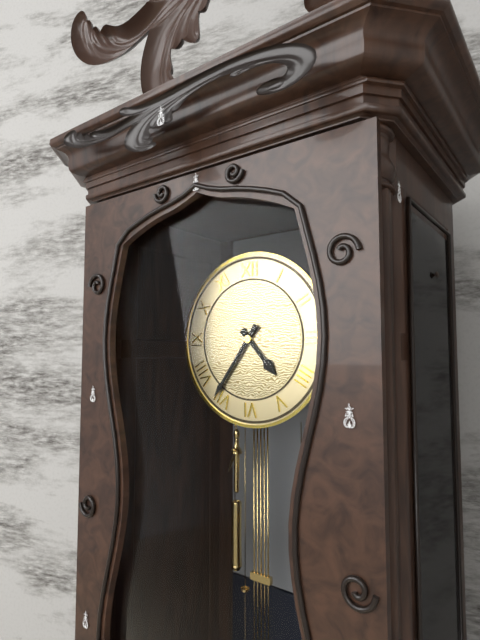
4:36
